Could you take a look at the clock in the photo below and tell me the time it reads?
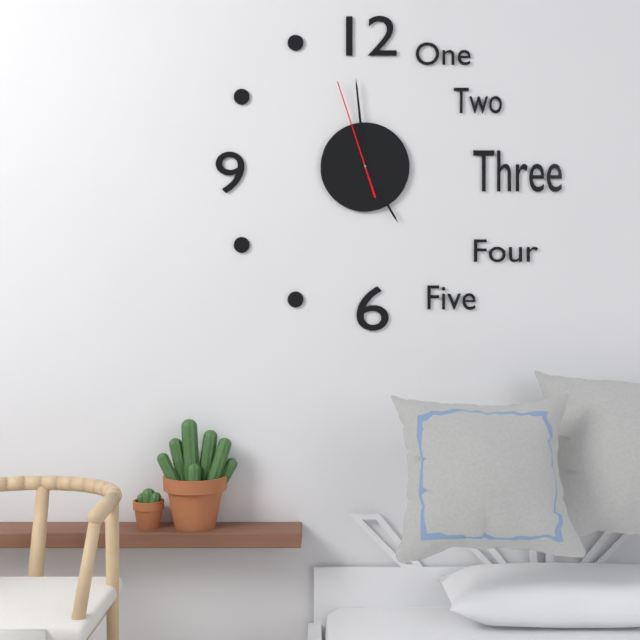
4:59:57
